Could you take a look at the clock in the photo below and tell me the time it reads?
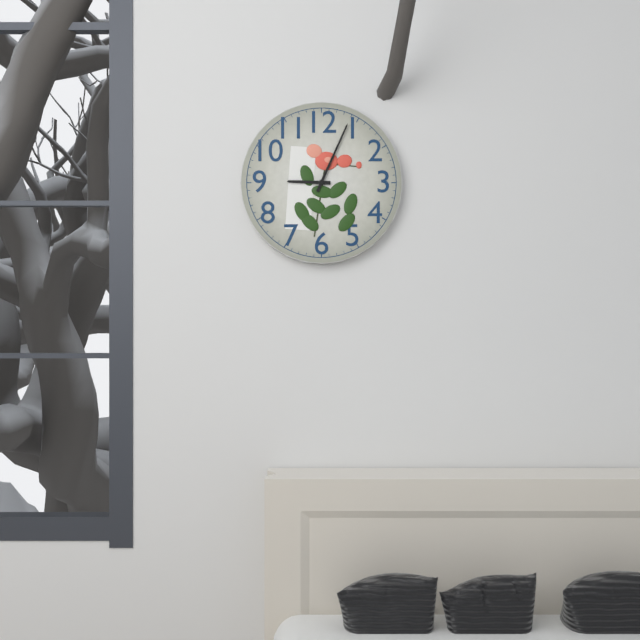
9:04
